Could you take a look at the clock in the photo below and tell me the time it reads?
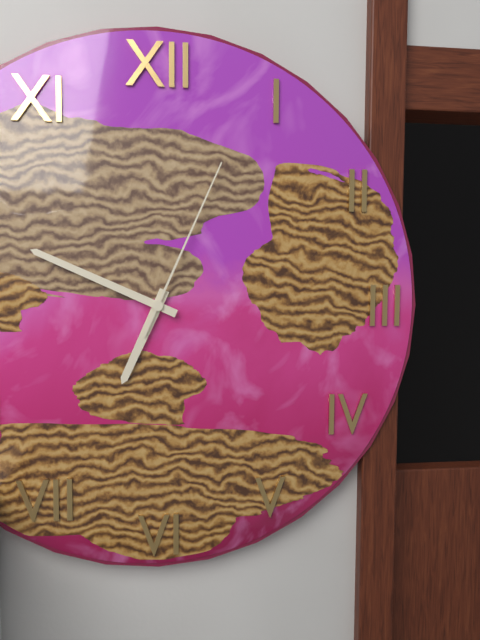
6:49:04
